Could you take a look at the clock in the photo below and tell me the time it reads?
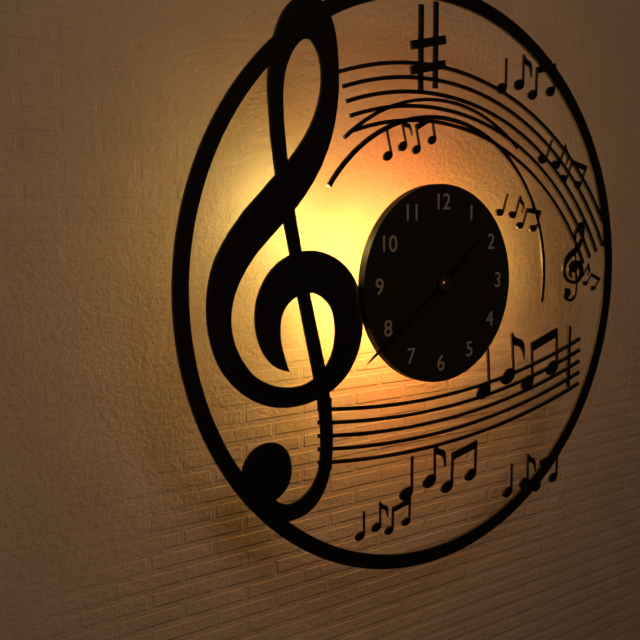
1:39
